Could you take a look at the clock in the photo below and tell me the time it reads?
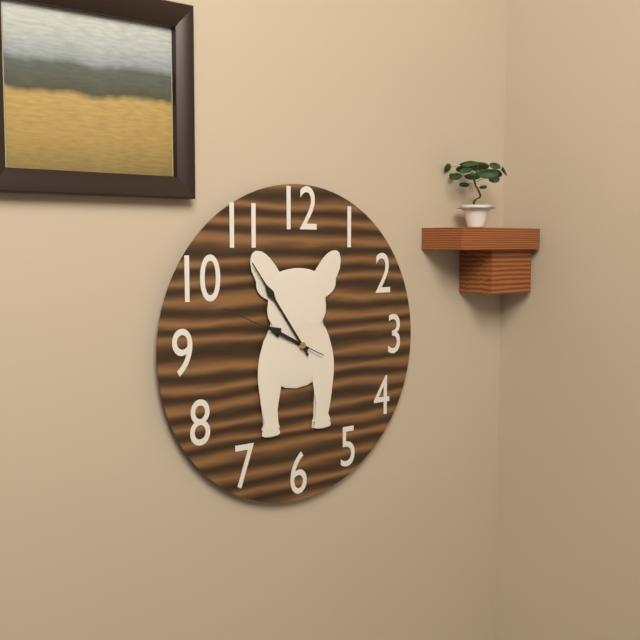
9:54:49
